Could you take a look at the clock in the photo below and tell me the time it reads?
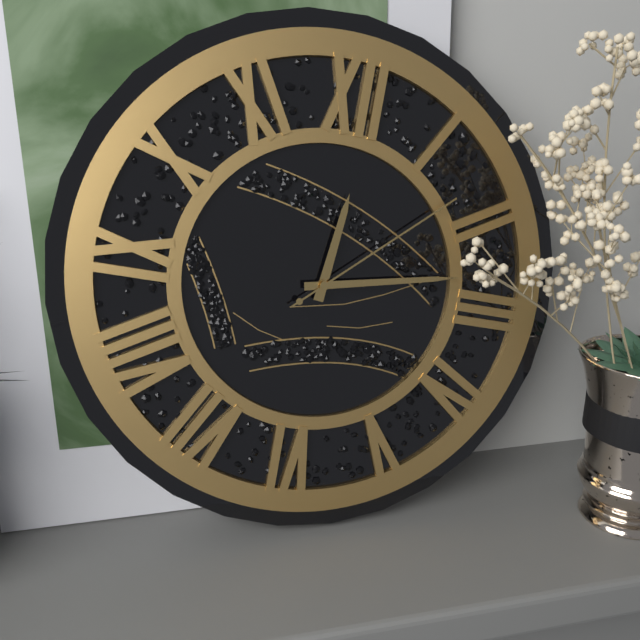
12:13:08
